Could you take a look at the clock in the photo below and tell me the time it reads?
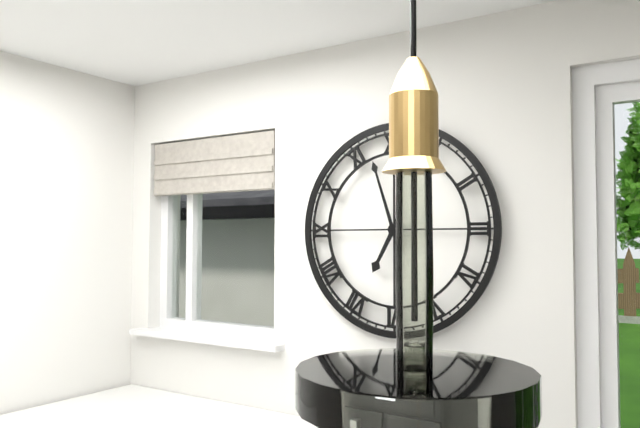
6:57
